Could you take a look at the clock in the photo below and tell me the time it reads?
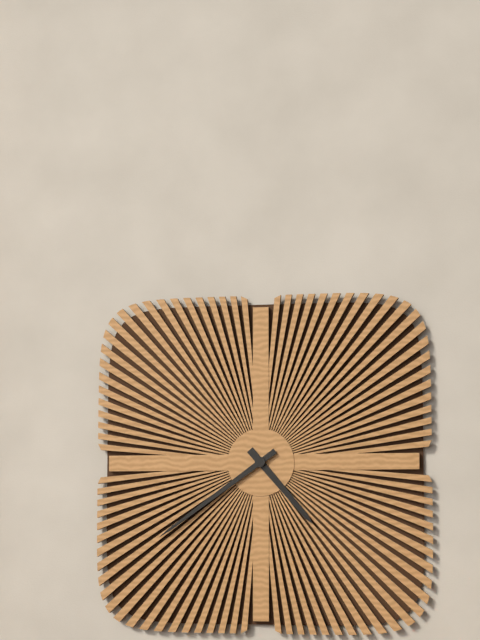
4:39
